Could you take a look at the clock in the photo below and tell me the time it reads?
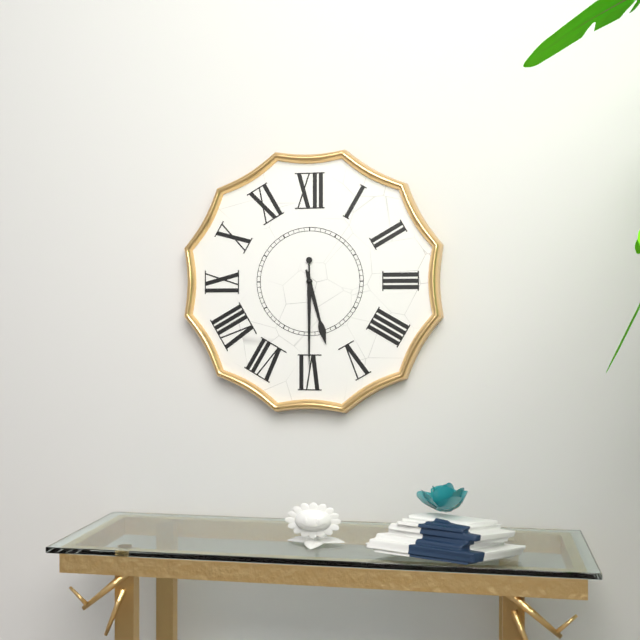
5:30
